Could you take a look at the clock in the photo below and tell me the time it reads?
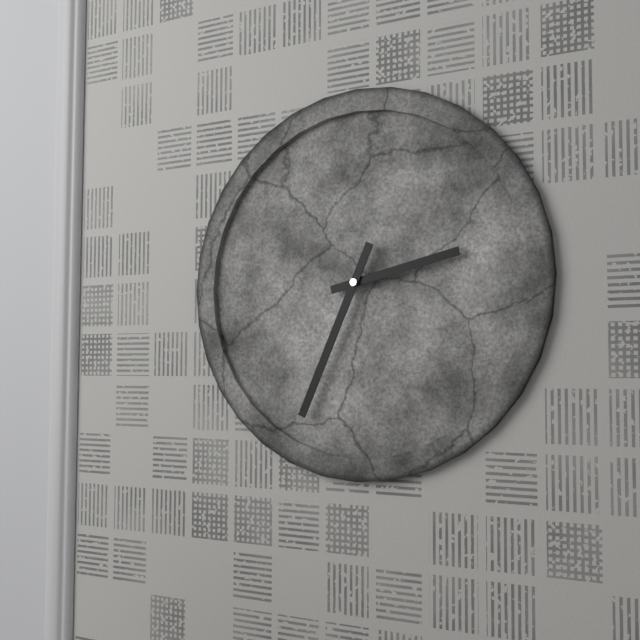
2:34
